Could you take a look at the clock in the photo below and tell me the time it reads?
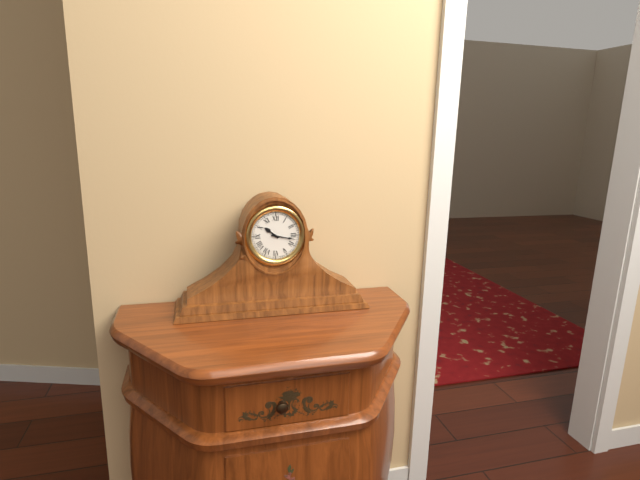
10:17
